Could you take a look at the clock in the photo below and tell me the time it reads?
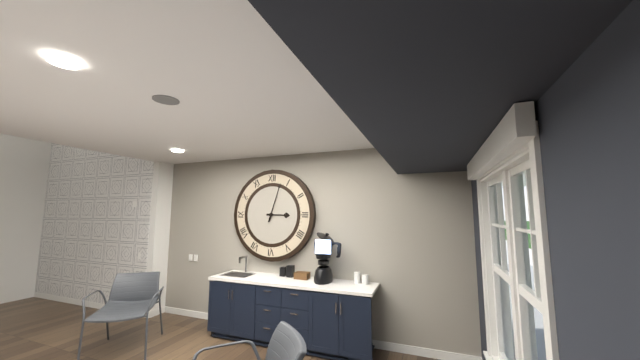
3:03
